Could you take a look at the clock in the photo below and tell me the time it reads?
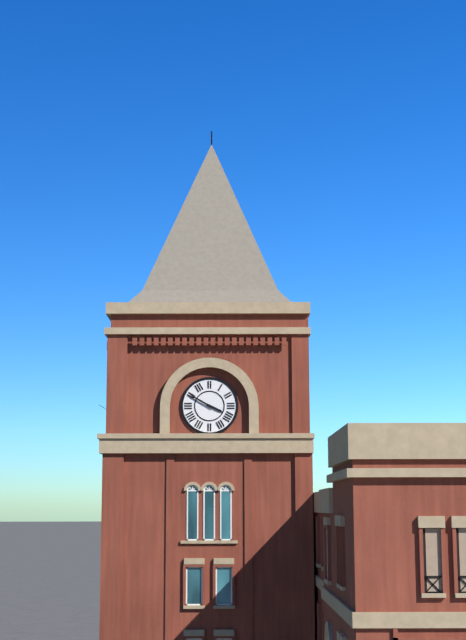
3:50
